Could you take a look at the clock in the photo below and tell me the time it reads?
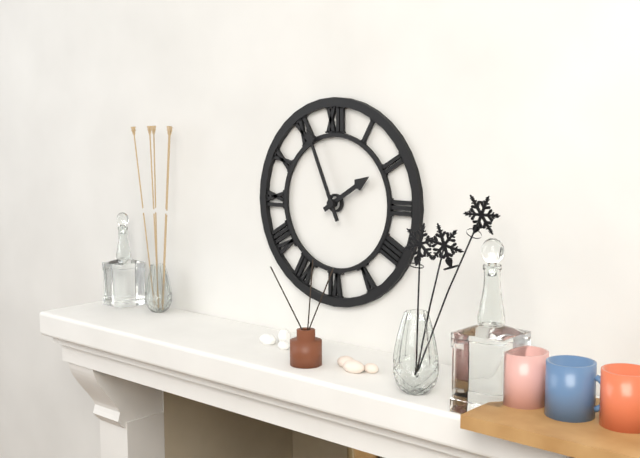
1:56
